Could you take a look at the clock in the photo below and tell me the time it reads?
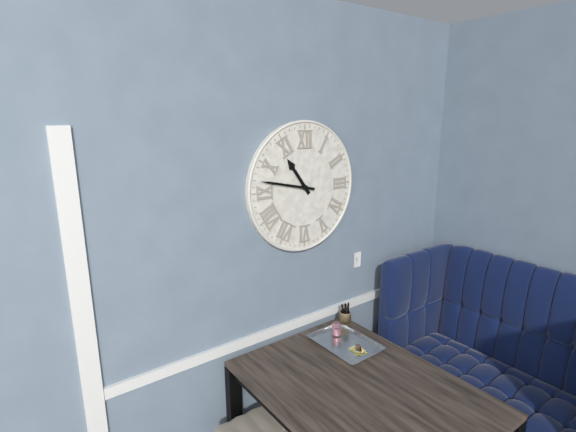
10:47
